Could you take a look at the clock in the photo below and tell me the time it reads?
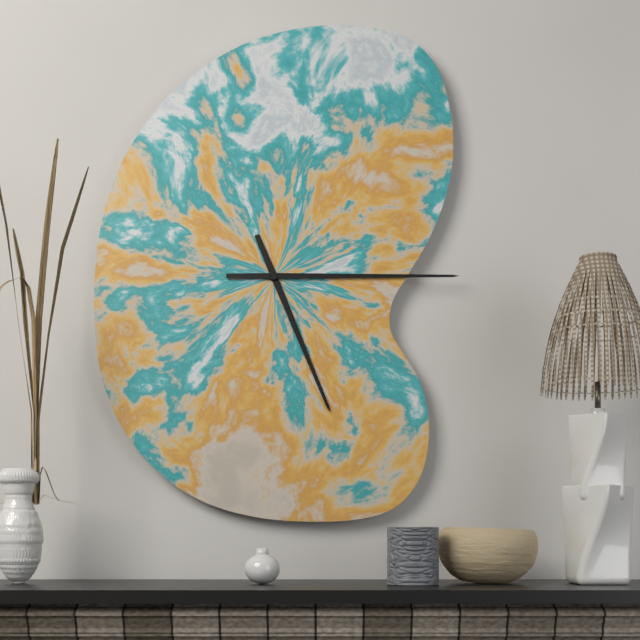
5:15
